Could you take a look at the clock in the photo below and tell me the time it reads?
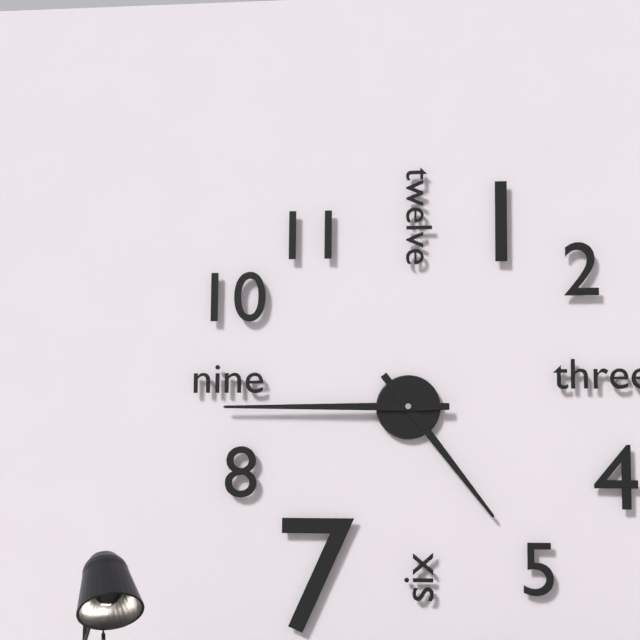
4:45
